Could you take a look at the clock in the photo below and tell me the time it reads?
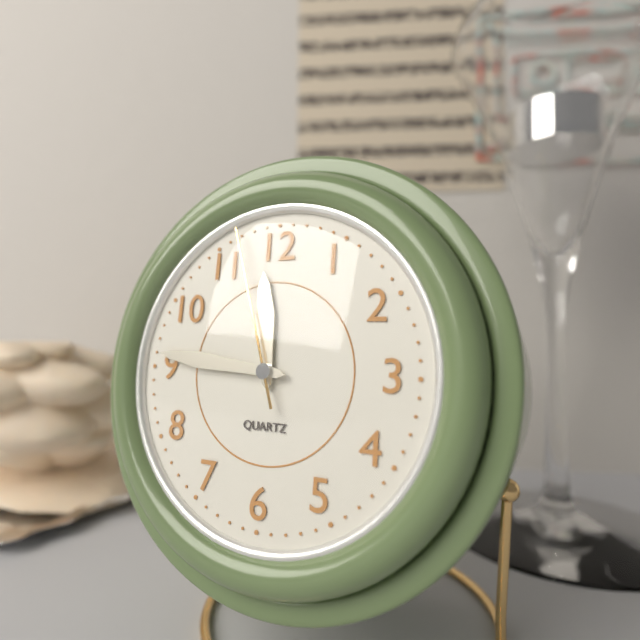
11:46:57
